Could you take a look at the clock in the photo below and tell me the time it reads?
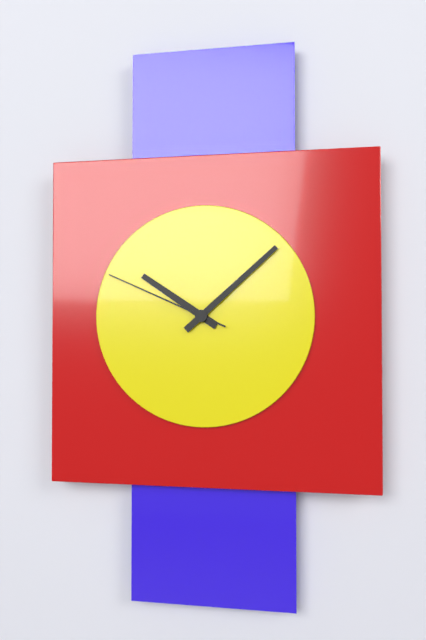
10:08:49
